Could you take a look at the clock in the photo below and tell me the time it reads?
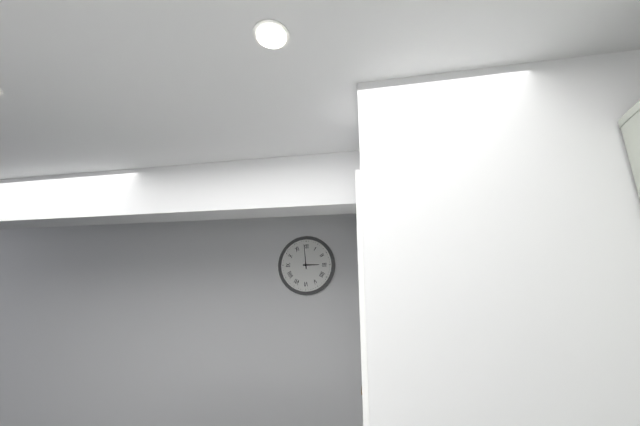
2:59
